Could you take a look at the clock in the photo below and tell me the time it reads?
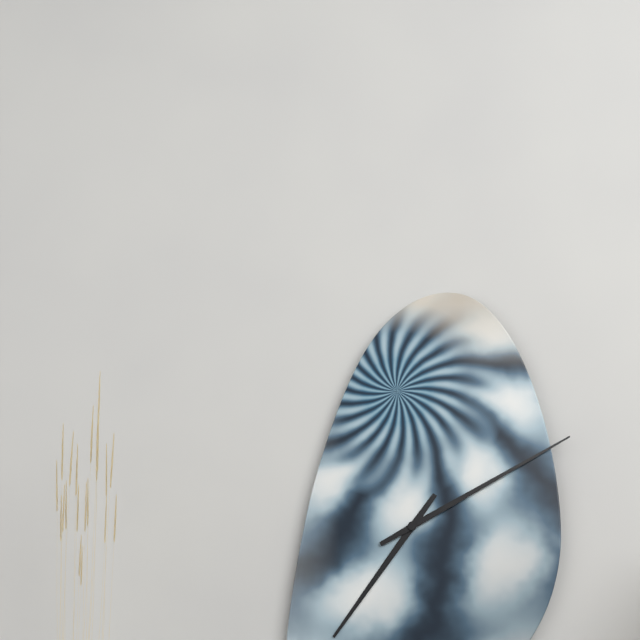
7:10
